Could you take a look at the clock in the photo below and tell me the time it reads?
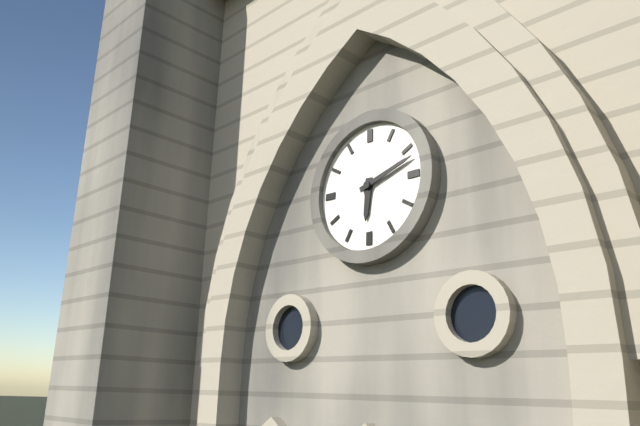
6:12
